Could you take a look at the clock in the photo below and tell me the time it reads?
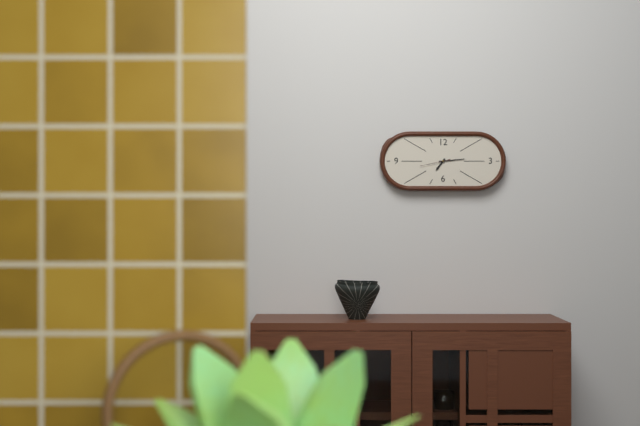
7:14
